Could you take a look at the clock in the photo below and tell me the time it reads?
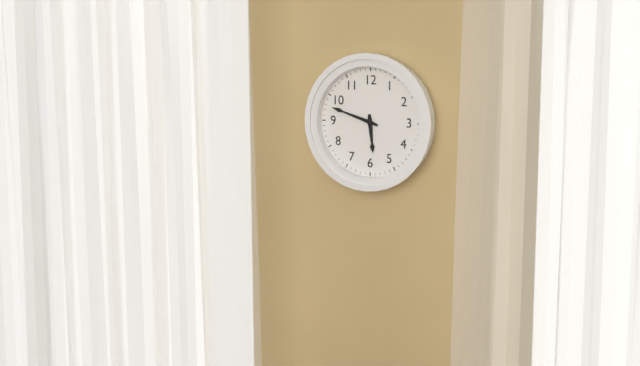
5:48
